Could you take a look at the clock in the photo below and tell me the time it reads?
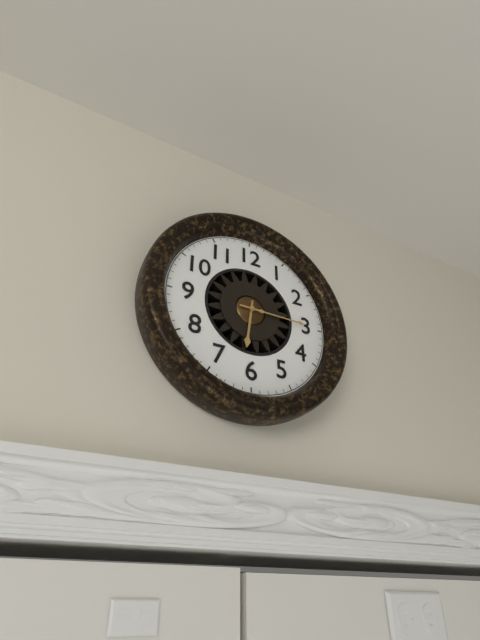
6:15
